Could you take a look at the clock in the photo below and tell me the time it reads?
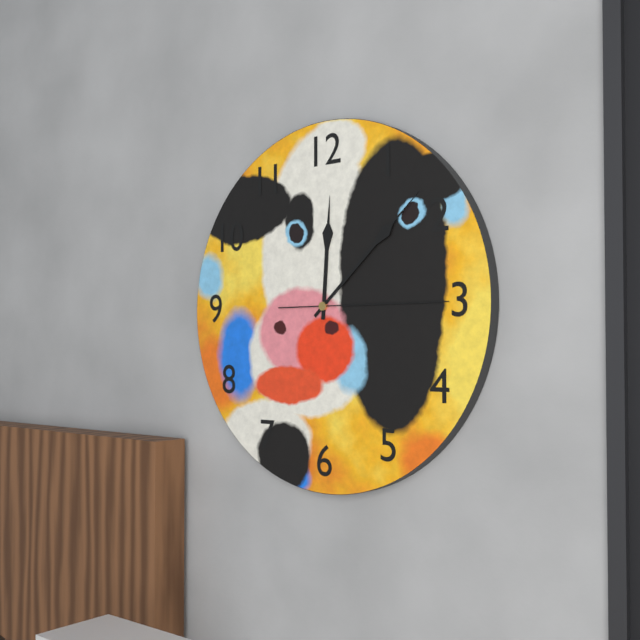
12:08:15
